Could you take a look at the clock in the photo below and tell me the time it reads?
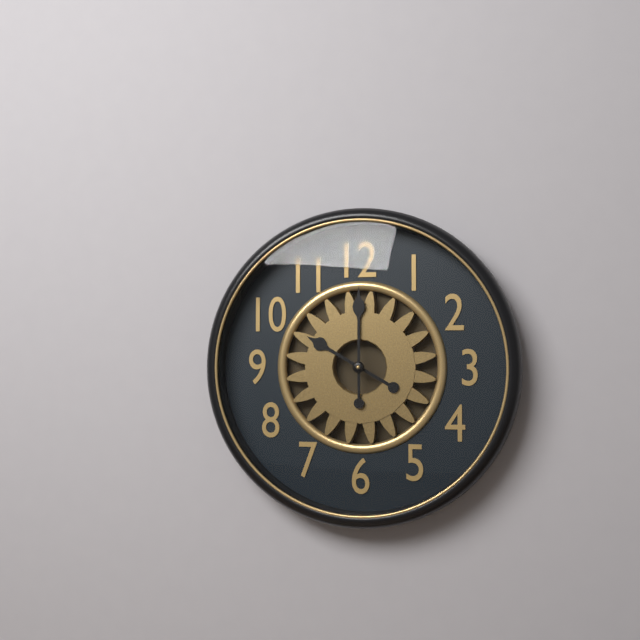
10:00
